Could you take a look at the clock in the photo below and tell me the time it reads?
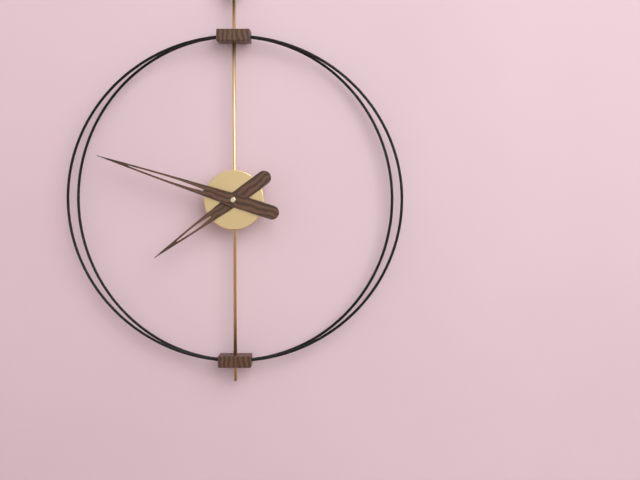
7:48
